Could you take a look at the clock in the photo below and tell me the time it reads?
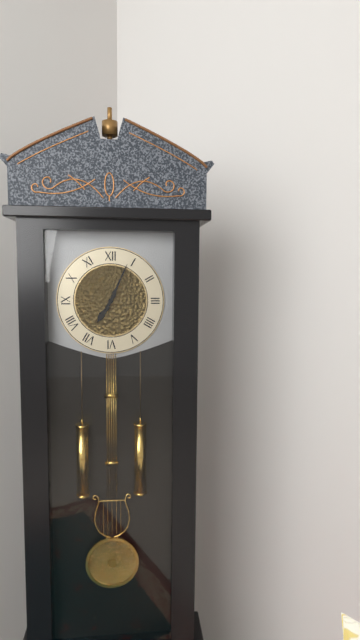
7:04
